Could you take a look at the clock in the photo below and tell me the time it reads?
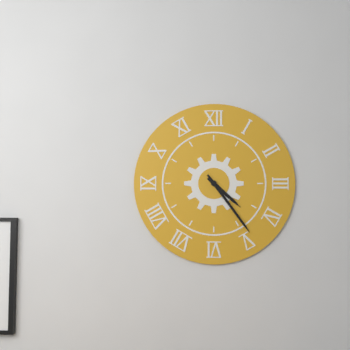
4:24
